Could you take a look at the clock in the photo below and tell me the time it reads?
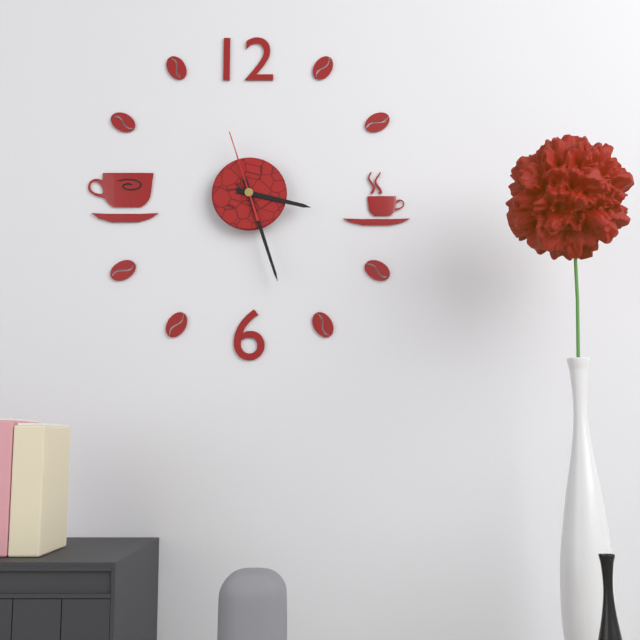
3:27:57
